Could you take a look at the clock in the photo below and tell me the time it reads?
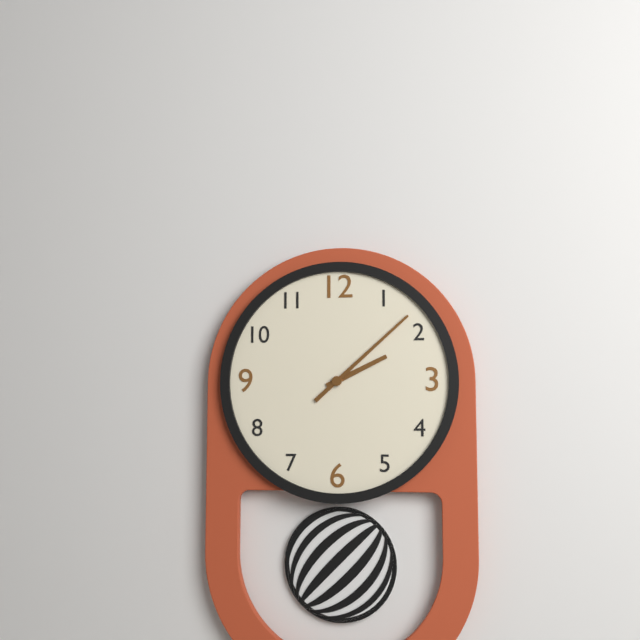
2:08
